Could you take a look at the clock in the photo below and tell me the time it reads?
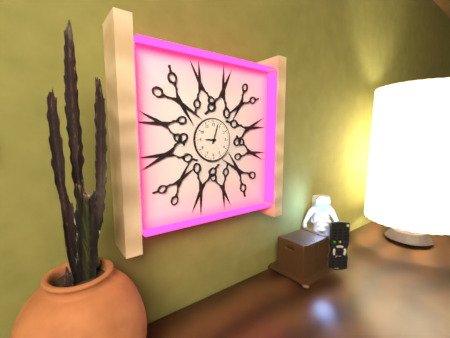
9:03
